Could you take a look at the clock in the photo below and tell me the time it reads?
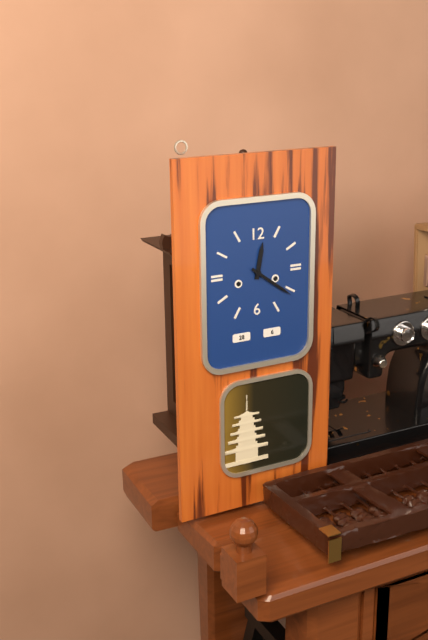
12:21
